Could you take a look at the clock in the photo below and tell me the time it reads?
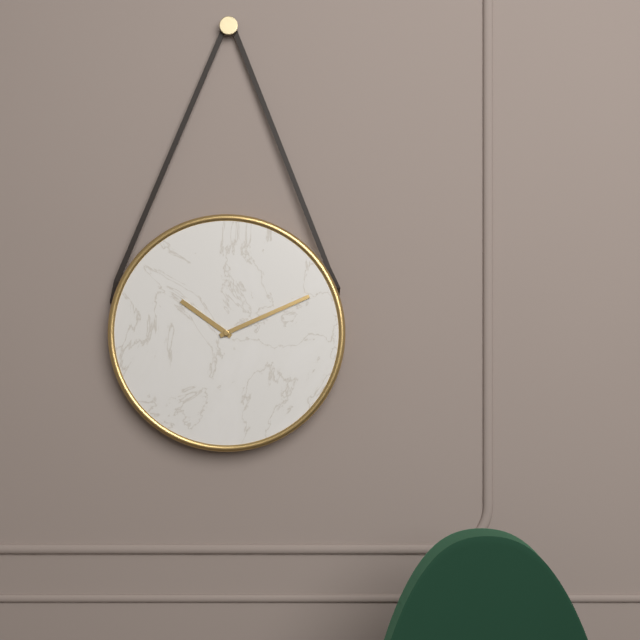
10:11
